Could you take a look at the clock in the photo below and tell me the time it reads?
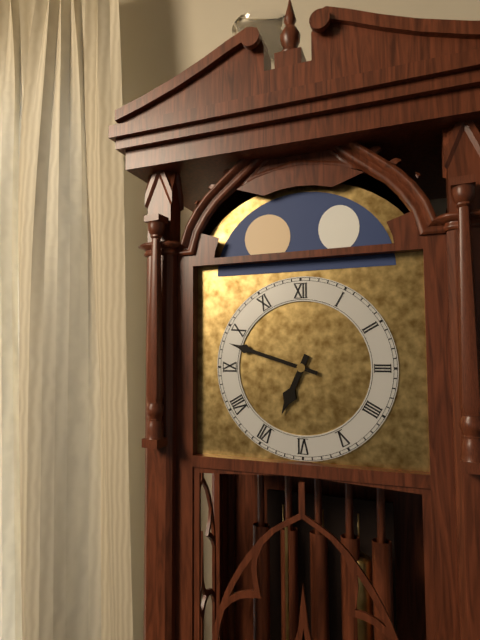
6:48
